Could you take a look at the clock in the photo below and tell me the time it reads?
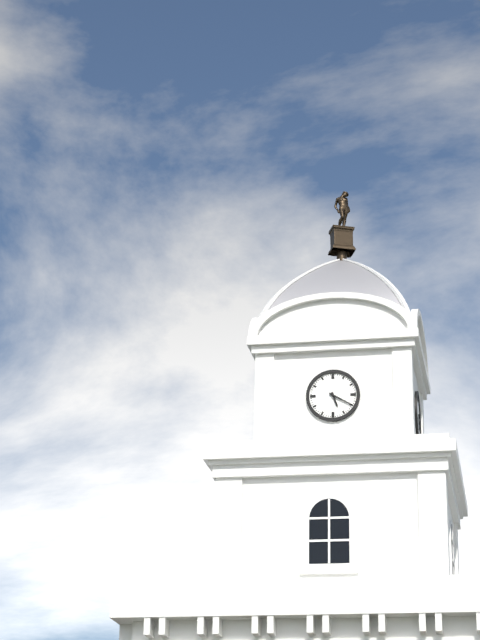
5:20
